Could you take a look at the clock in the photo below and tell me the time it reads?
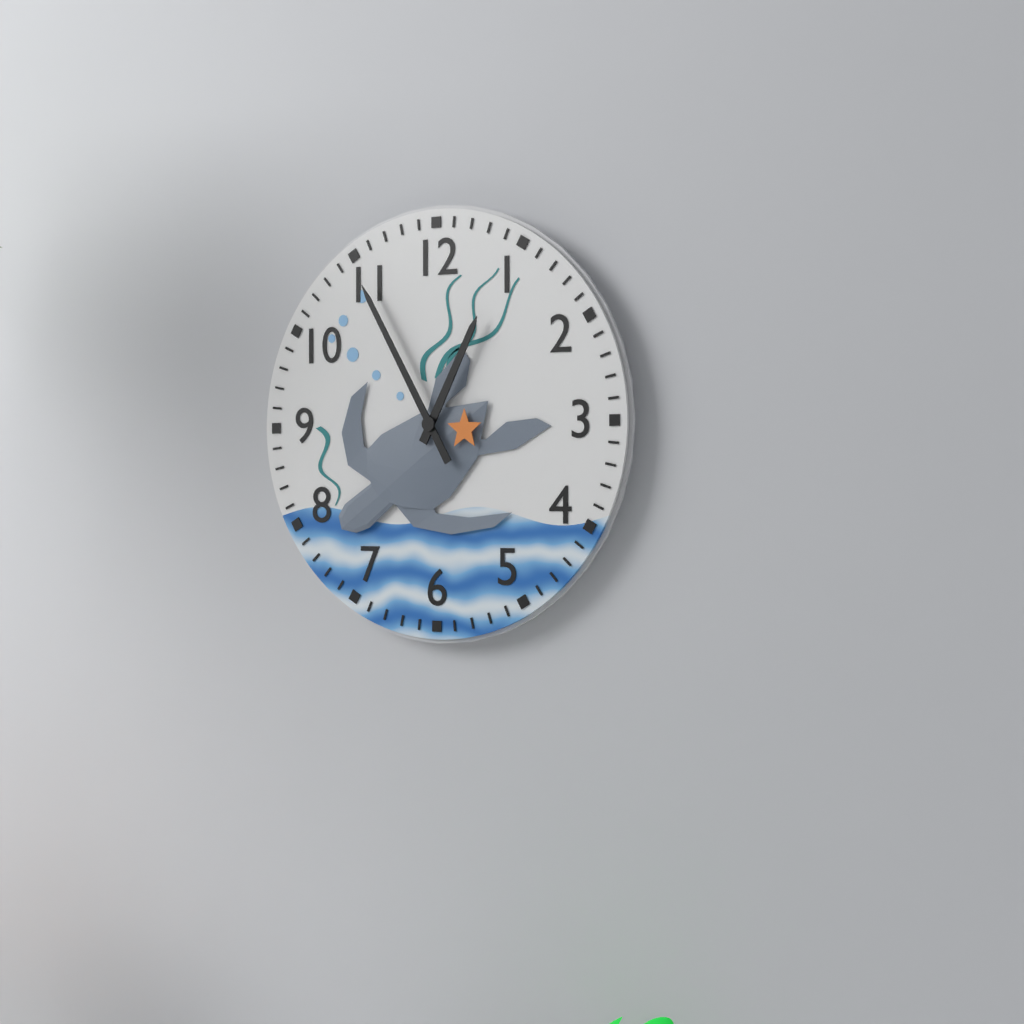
12:55
